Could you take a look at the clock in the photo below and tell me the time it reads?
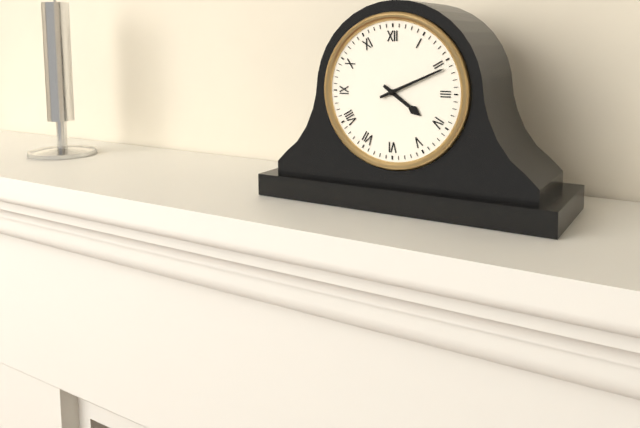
4:11
